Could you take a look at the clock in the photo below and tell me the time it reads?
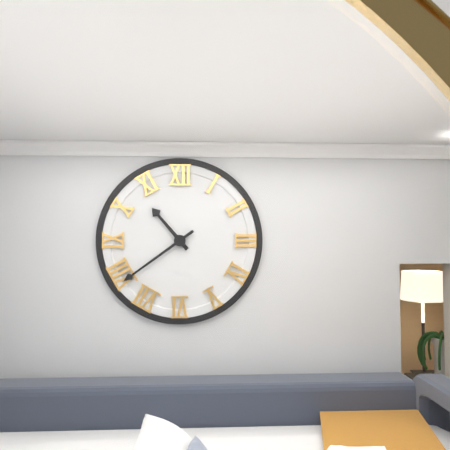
10:39
